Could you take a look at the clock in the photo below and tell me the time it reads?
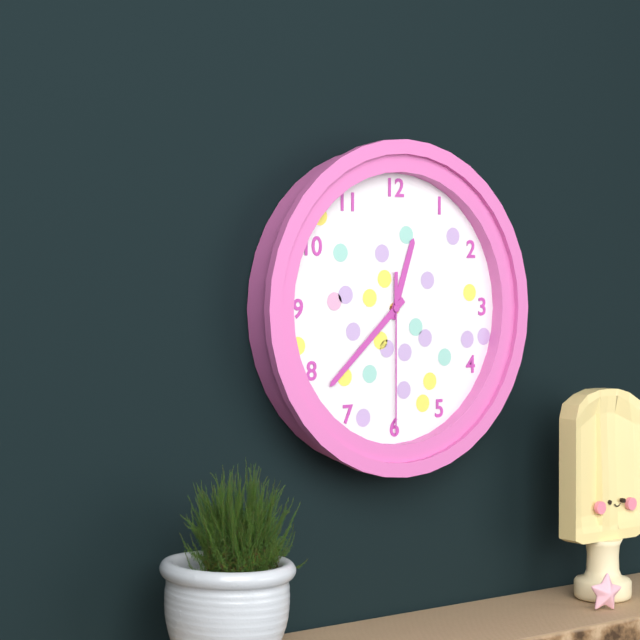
12:38:30
